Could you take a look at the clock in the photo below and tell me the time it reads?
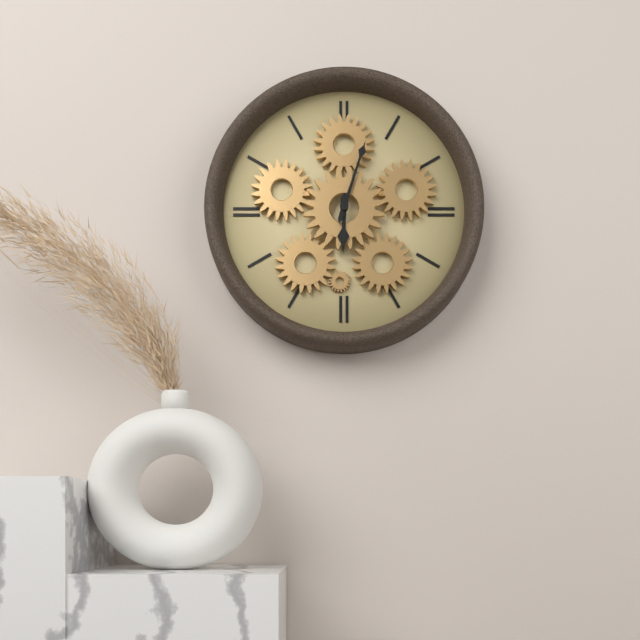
6:03
